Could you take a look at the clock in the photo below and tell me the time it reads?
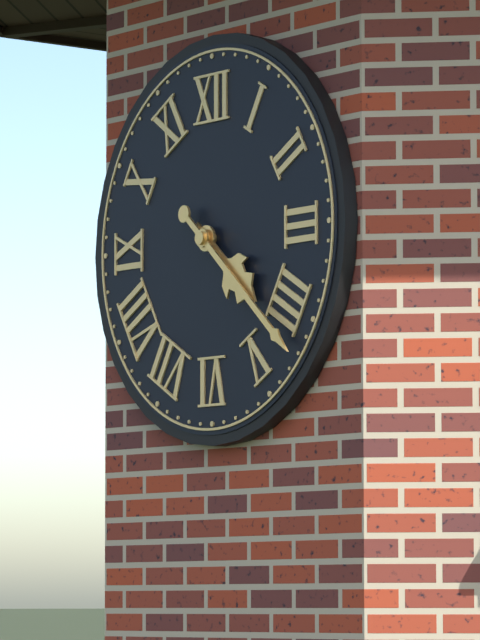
4:22
